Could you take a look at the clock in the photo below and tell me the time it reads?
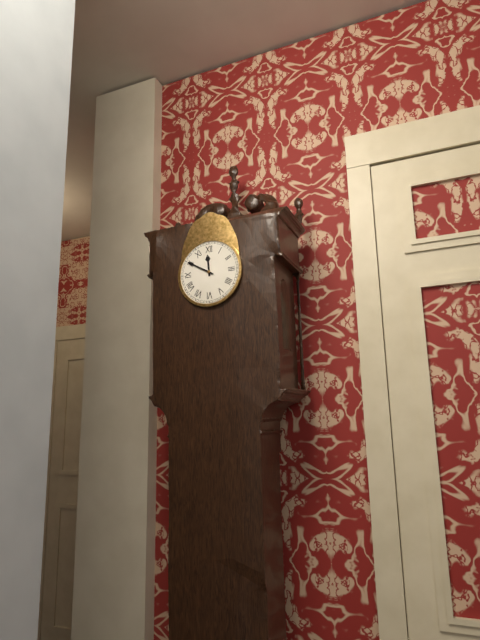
11:50
